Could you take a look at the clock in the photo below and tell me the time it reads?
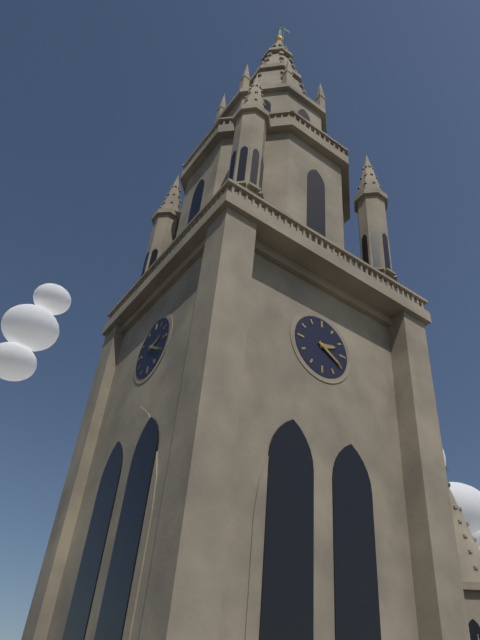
2:20
